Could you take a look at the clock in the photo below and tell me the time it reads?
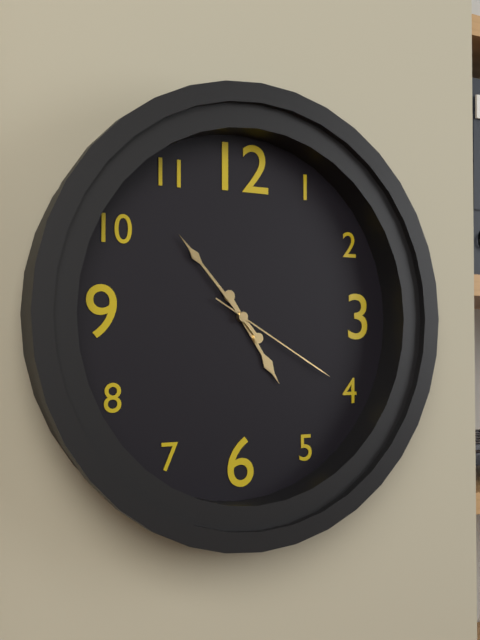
4:53:20
